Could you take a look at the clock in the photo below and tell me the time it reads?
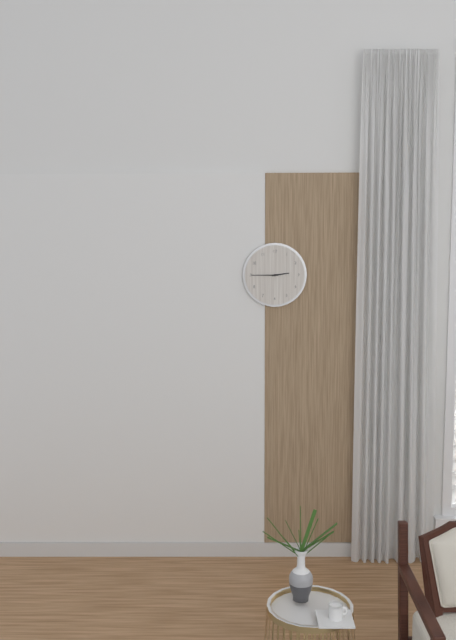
2:45
